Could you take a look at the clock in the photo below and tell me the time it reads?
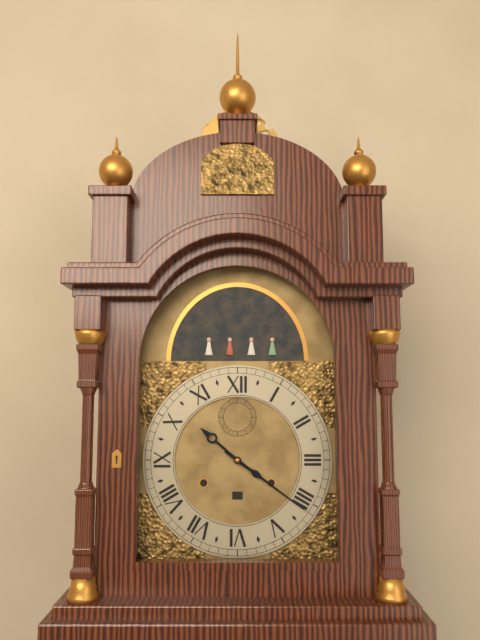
10:21
